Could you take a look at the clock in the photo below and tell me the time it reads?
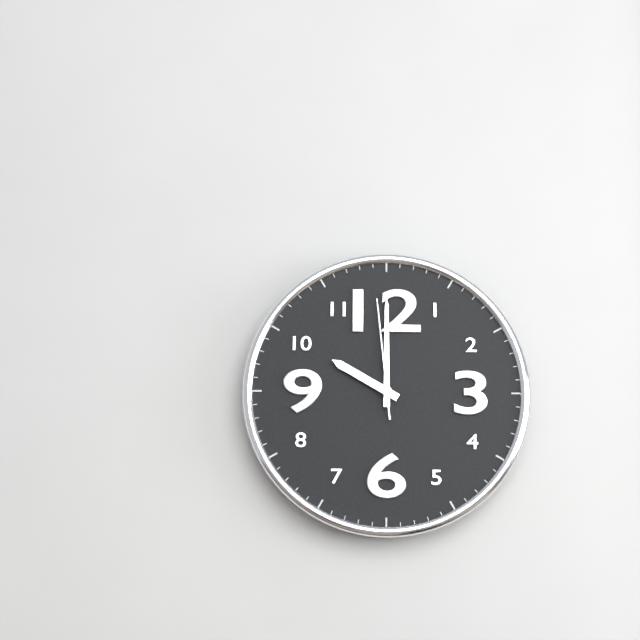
10:00:59
